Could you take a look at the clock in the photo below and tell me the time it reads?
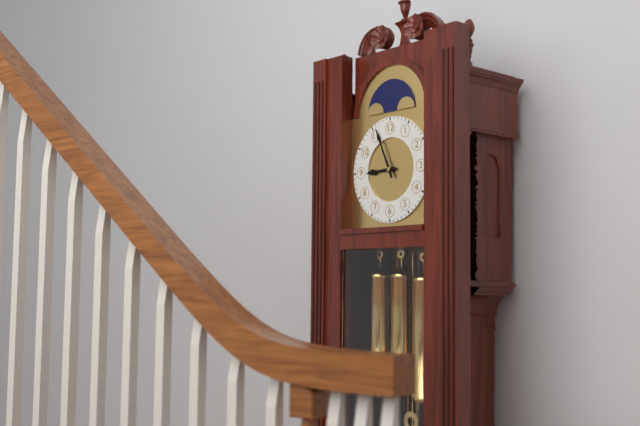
8:56
